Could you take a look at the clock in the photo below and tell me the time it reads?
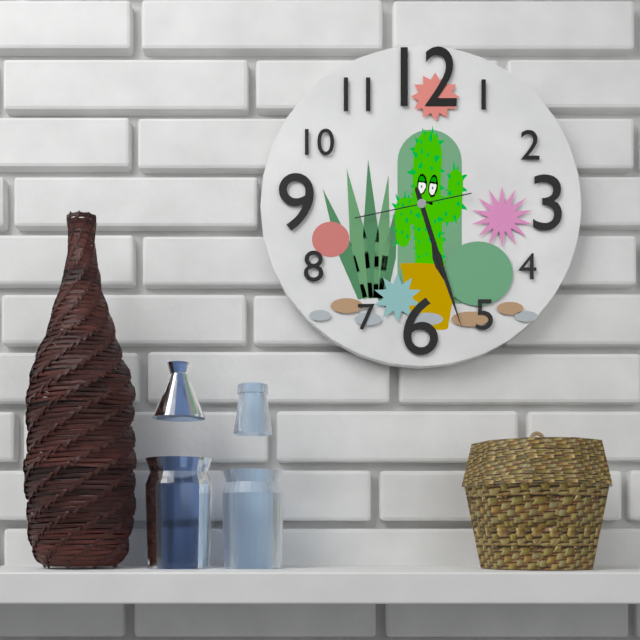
5:27:43
